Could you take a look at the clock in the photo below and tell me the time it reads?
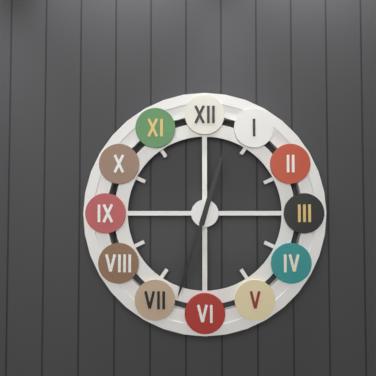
12:33
